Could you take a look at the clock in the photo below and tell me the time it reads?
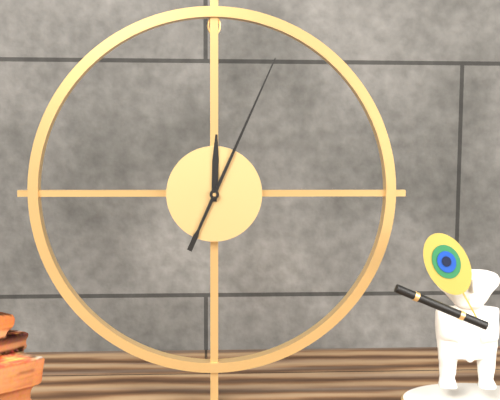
12:04
